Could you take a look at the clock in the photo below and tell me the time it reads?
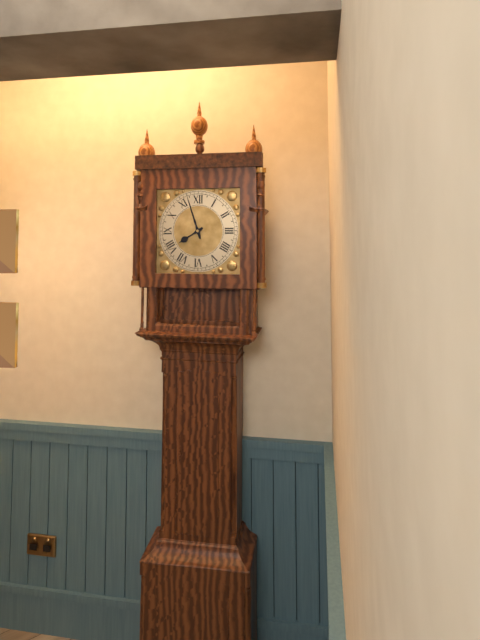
7:57
